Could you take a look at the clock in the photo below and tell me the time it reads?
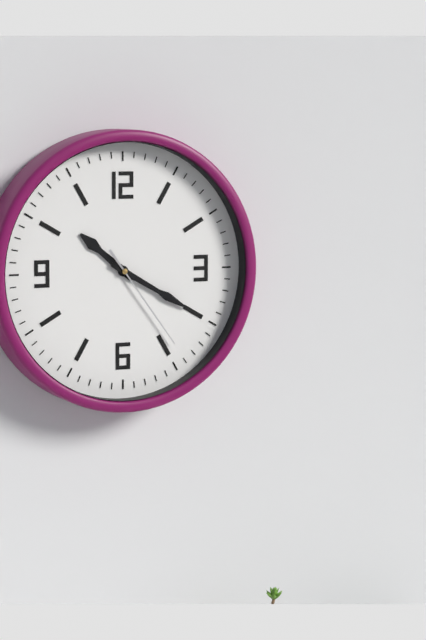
10:20:24
